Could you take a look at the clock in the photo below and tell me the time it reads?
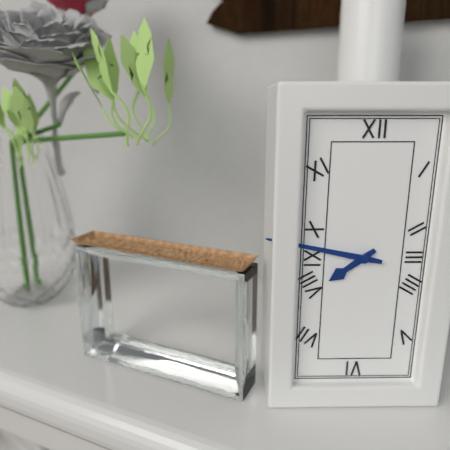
7:47
